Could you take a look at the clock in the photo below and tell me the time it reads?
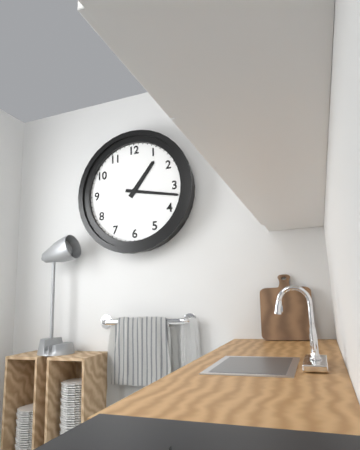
1:17
